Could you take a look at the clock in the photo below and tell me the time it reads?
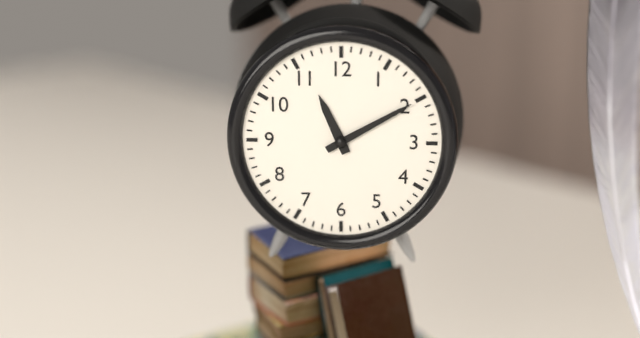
11:10
